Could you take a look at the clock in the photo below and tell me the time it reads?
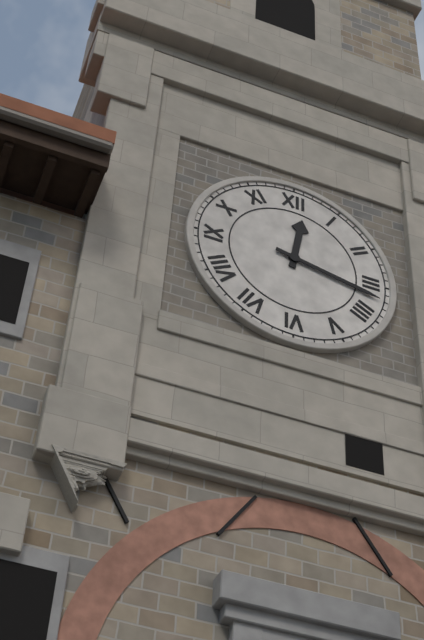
12:17
